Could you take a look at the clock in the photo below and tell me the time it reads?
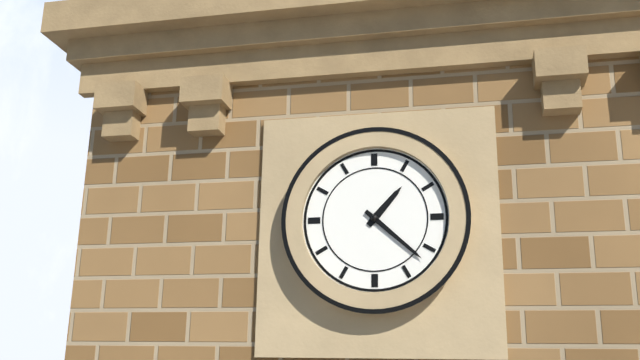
1:22
